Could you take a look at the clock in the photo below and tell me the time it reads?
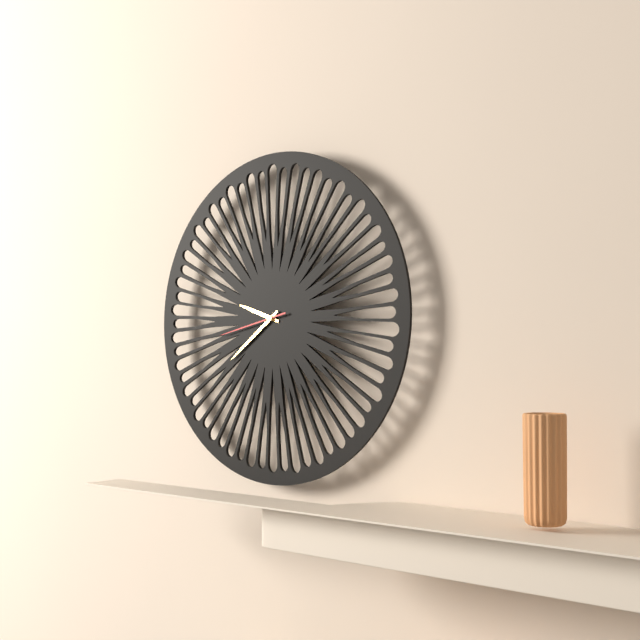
9:39:43
